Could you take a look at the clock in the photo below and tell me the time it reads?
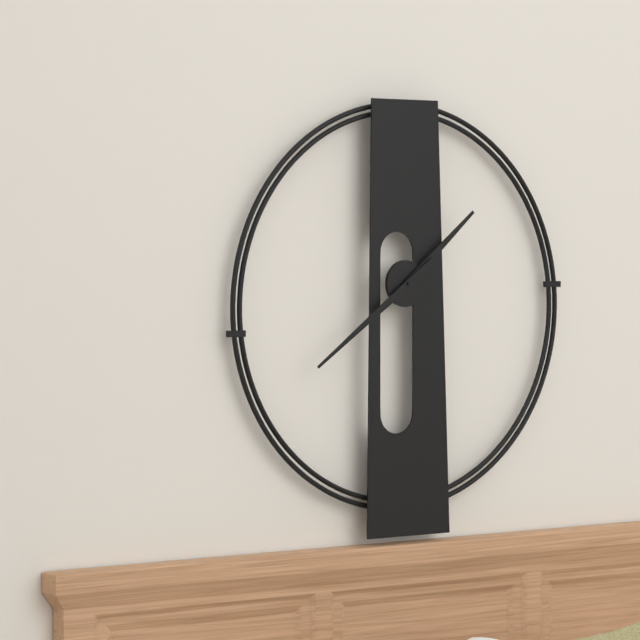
1:39
